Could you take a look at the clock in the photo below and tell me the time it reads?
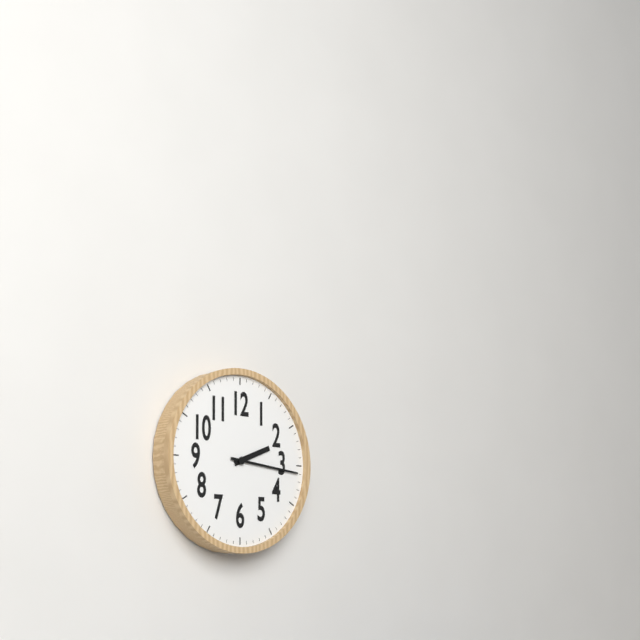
2:16
